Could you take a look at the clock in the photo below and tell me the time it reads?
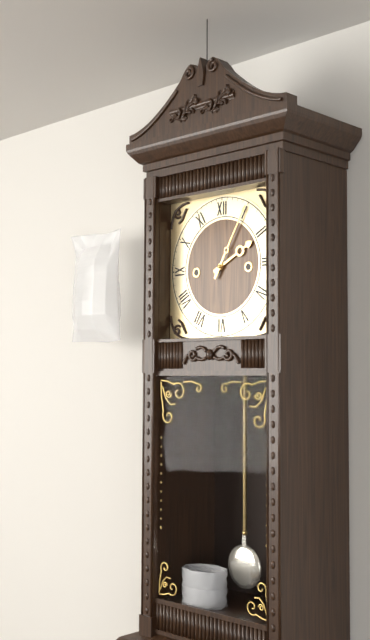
2:05
